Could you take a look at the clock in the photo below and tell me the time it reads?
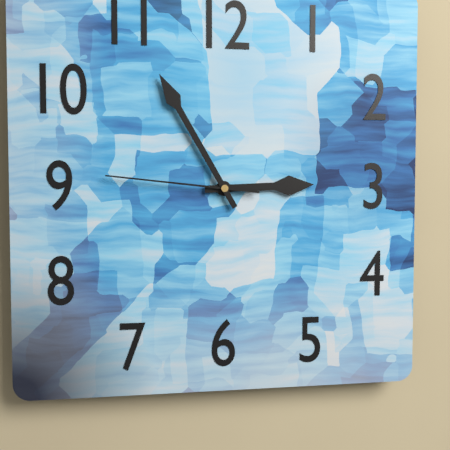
2:55:46
